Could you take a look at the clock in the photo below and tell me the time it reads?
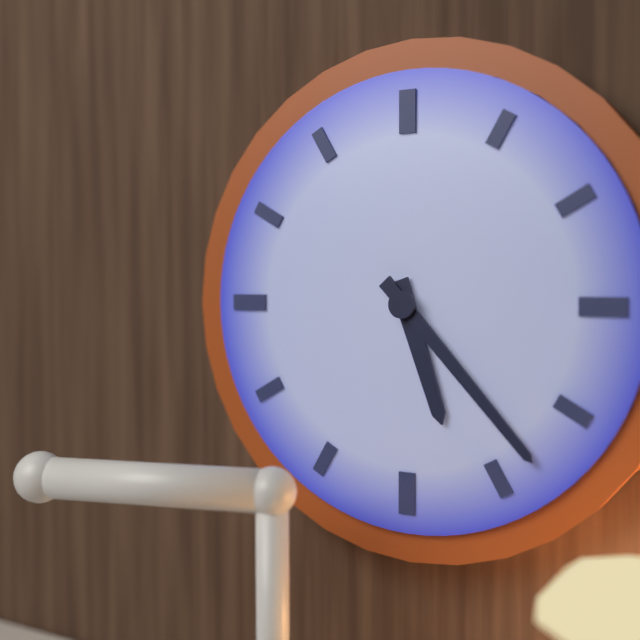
5:23
